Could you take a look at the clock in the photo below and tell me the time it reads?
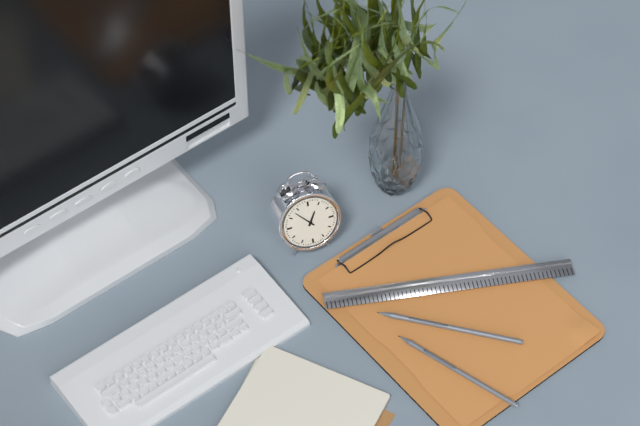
12:53
